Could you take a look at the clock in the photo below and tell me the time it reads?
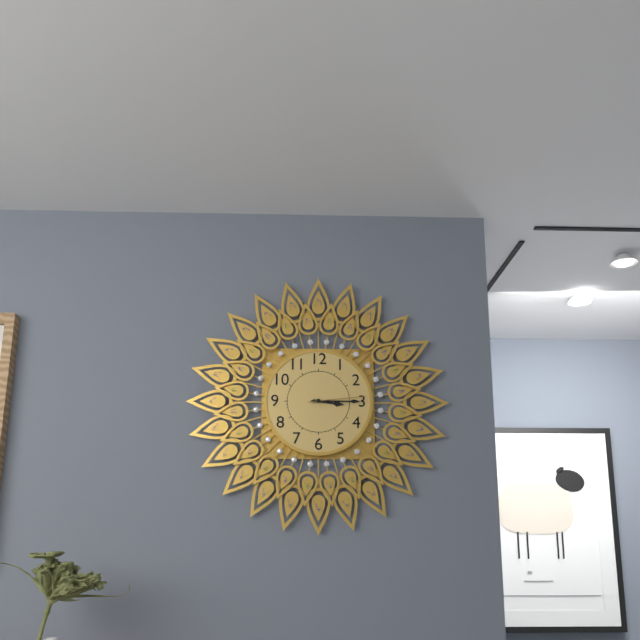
3:15:14
